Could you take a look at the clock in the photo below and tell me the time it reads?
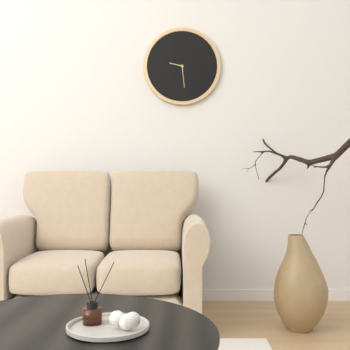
9:29
